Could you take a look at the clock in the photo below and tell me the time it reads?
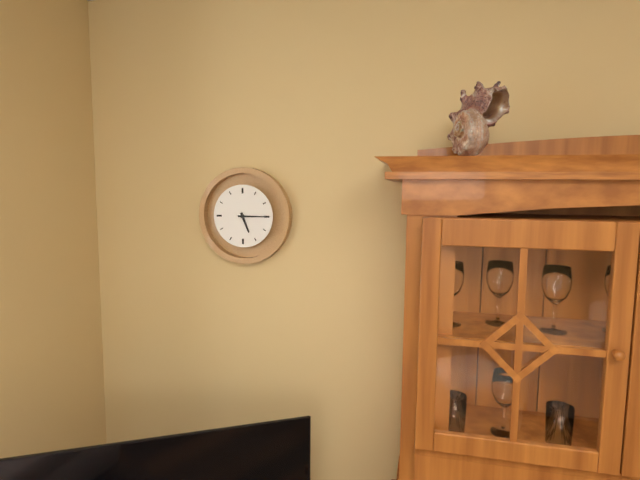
5:15
